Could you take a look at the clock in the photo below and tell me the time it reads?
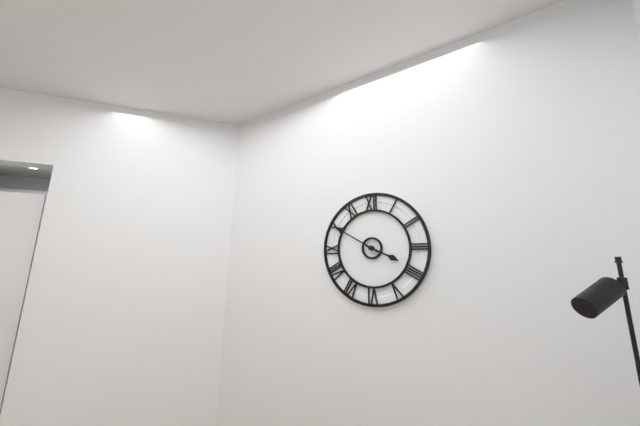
3:50
